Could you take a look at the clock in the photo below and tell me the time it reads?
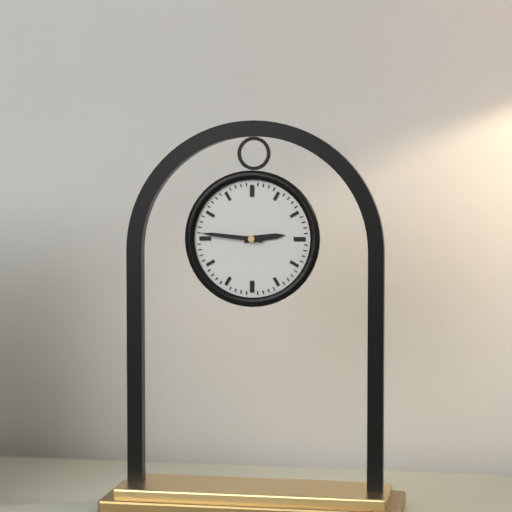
2:46
